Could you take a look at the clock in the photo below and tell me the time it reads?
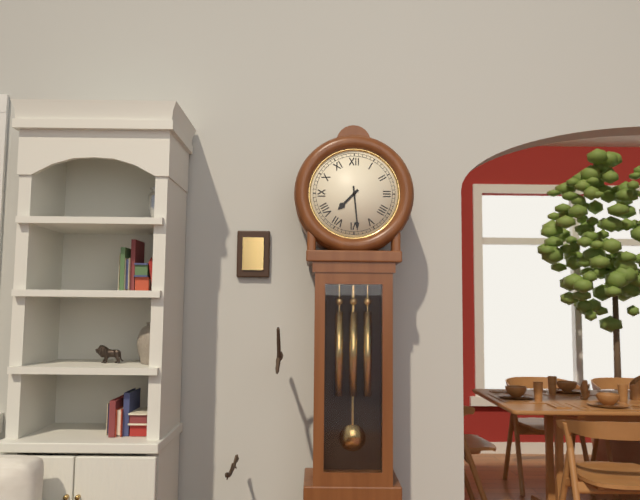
7:29
